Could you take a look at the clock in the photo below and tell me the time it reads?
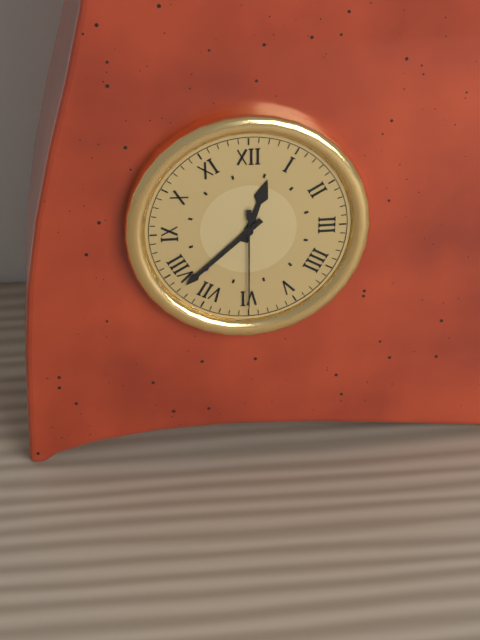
12:38:30
